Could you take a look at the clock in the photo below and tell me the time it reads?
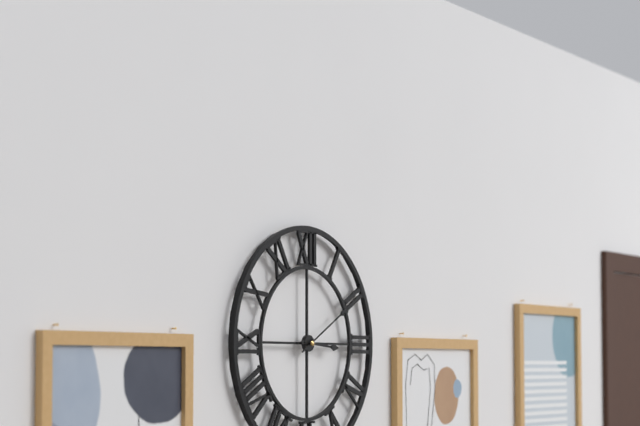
3:10
